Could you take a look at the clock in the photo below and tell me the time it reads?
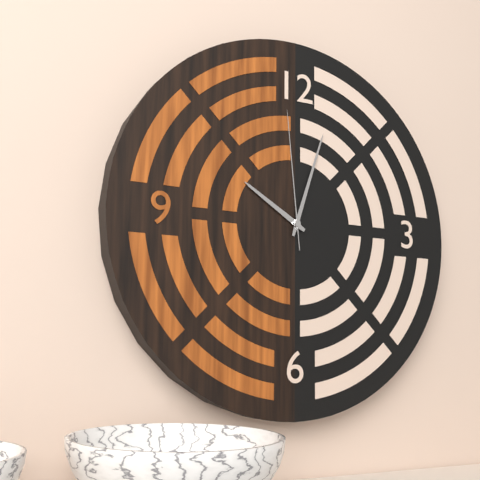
10:03:59
